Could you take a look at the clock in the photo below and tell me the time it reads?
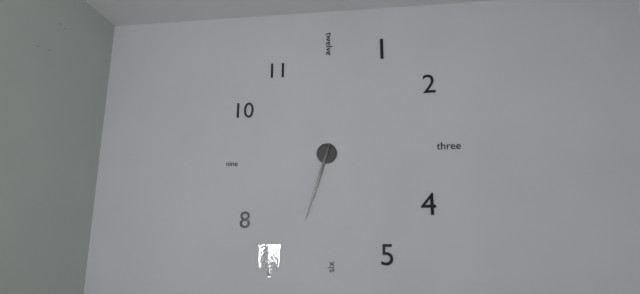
6:33
